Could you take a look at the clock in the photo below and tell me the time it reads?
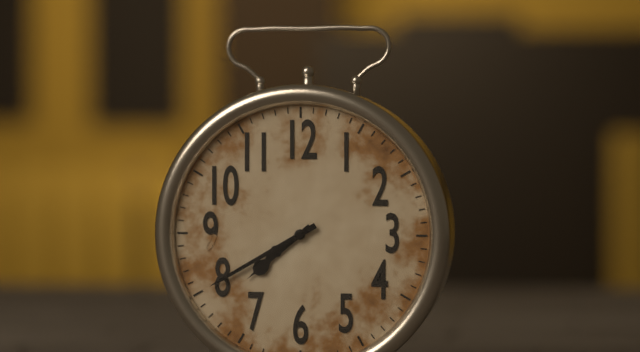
7:40
